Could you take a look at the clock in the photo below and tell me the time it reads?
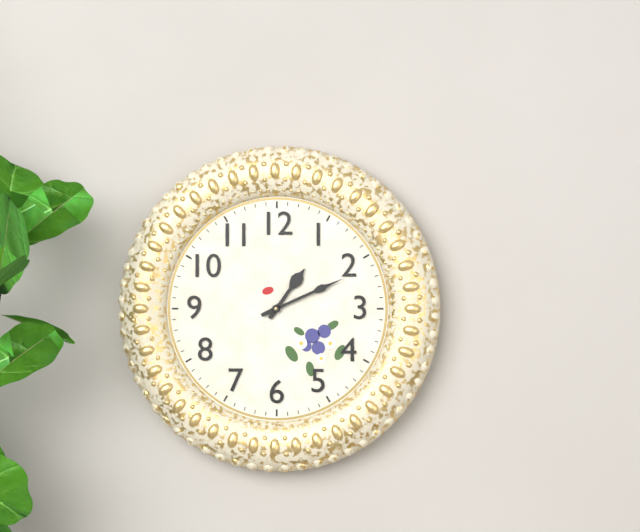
1:11
